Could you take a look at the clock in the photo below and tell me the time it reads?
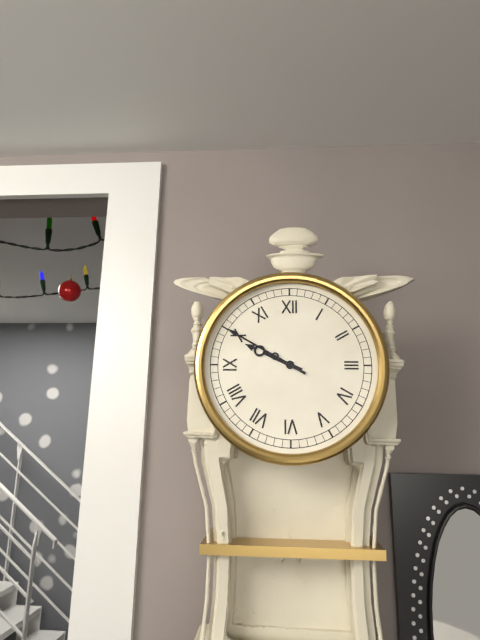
9:50
